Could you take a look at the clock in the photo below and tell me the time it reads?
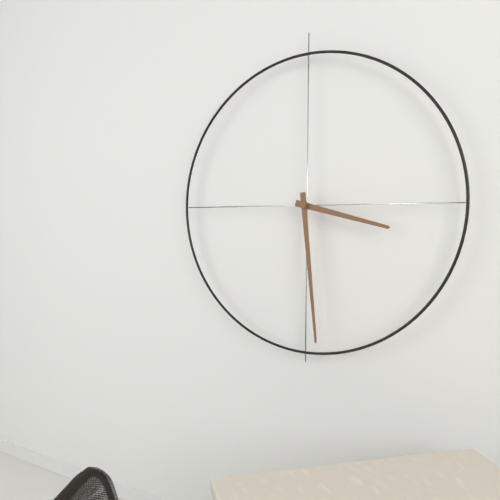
3:29
